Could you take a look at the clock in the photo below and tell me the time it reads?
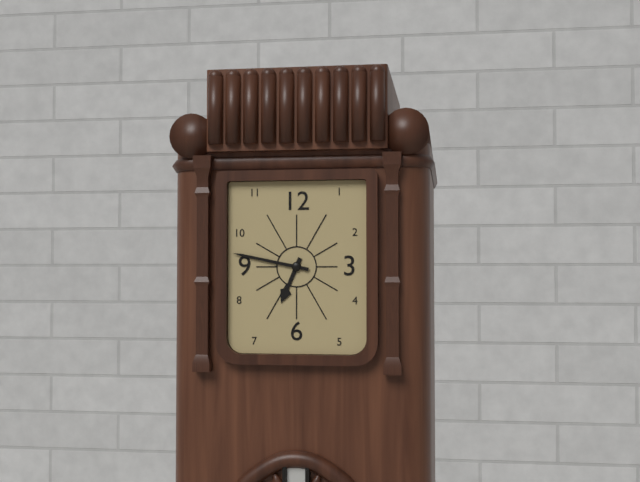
6:47
